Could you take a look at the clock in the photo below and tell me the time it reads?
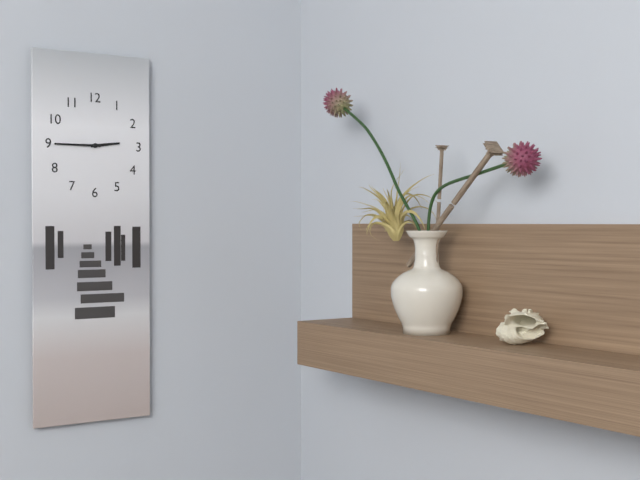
2:45
